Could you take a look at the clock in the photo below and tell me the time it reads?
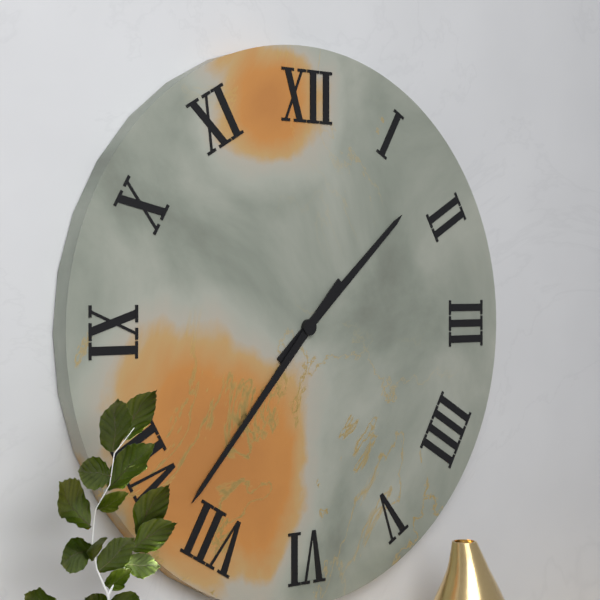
1:37
